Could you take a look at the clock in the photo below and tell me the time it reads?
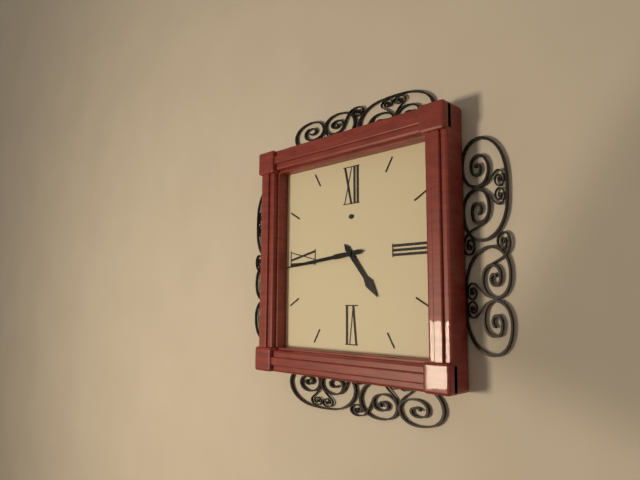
4:44
